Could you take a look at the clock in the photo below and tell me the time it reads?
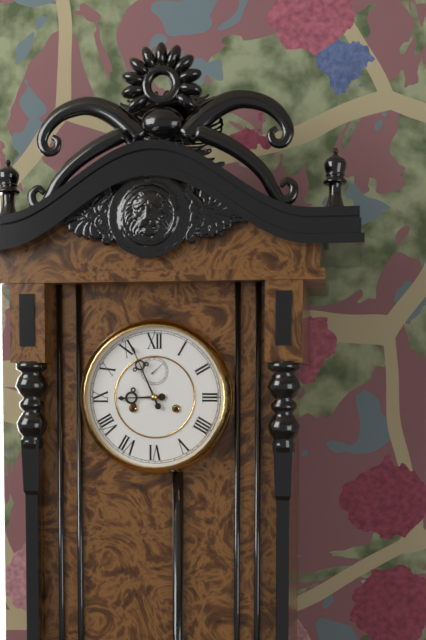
8:56
